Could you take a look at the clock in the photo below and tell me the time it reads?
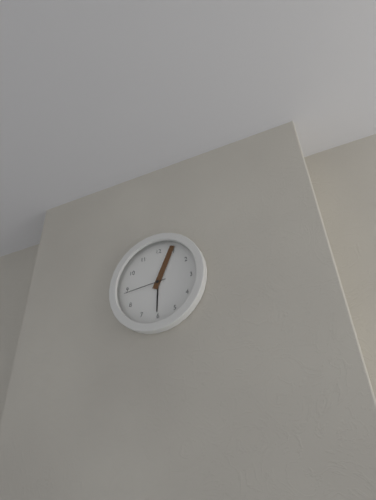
6:04
